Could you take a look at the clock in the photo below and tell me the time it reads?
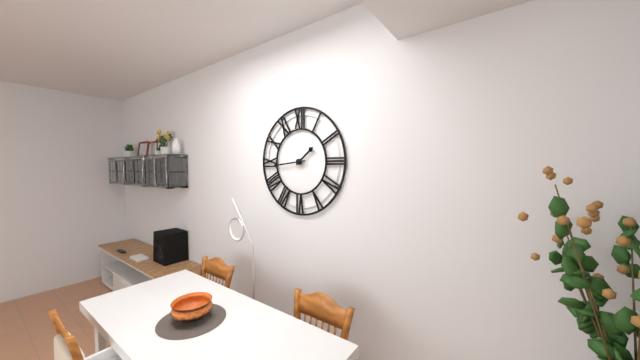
1:44
